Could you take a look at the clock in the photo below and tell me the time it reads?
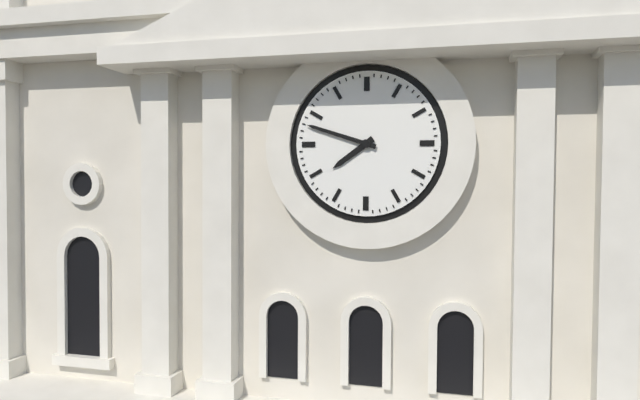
7:48
